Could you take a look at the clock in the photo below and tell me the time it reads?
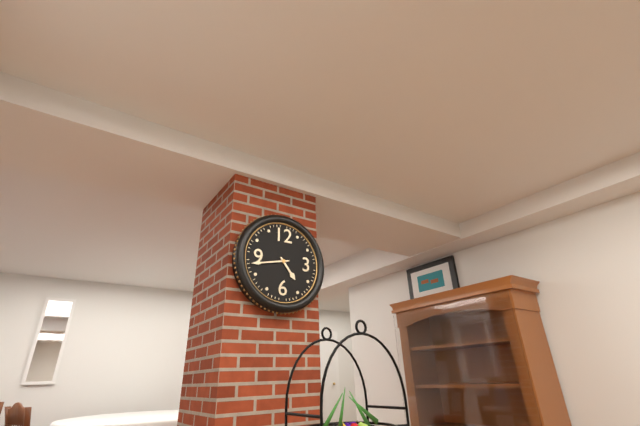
4:43
